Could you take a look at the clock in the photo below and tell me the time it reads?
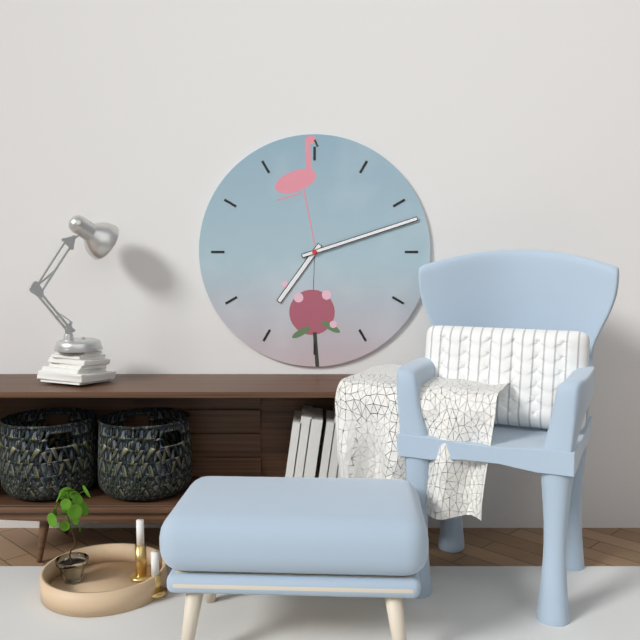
7:12
